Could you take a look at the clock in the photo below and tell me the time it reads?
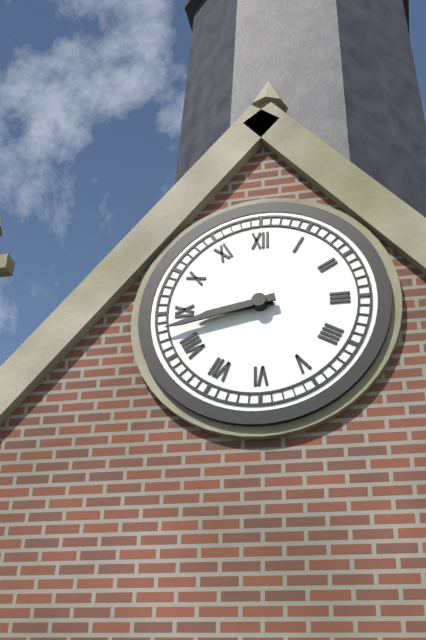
8:43
